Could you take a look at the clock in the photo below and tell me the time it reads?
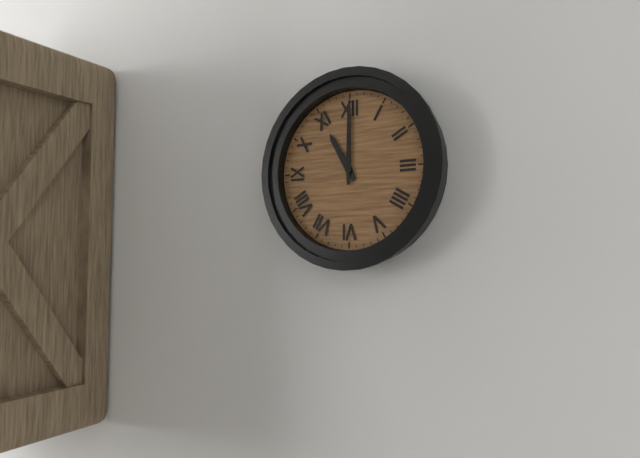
11:00
